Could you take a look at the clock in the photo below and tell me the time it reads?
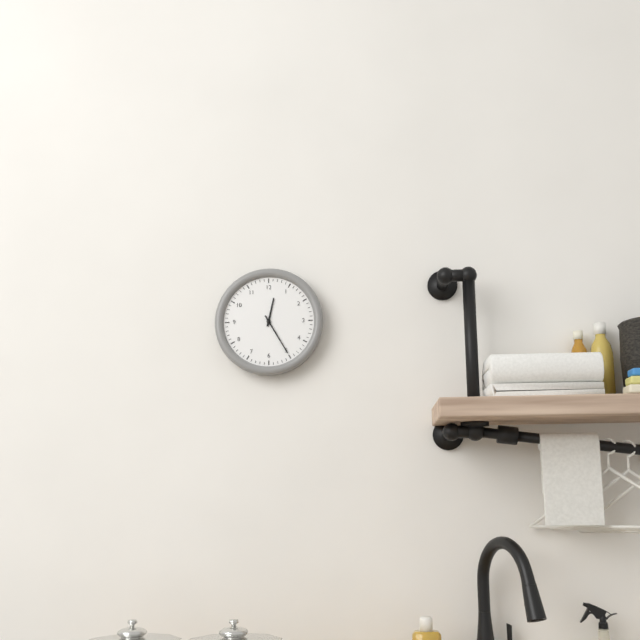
12:25
